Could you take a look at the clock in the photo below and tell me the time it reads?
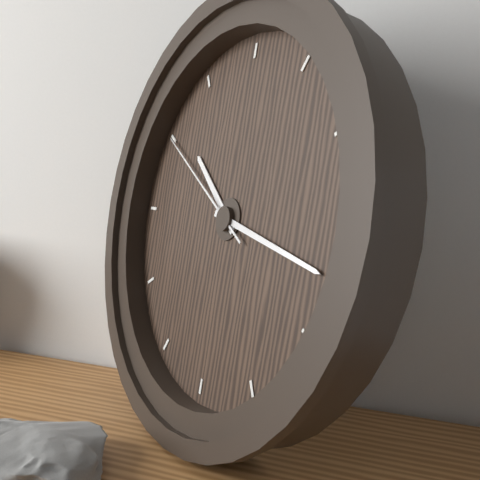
10:17:50
